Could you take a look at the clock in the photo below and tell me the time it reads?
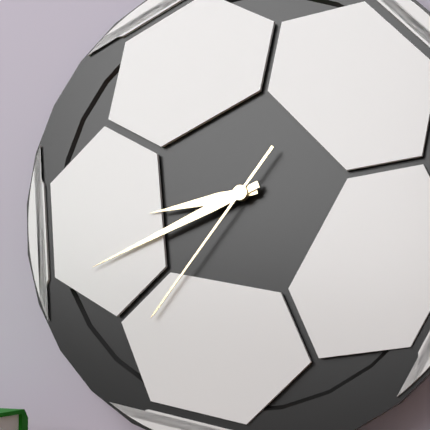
8:41:36
